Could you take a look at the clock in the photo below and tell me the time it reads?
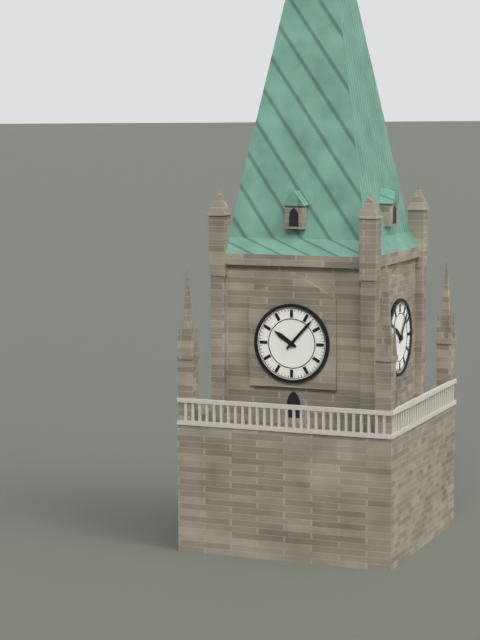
10:07
